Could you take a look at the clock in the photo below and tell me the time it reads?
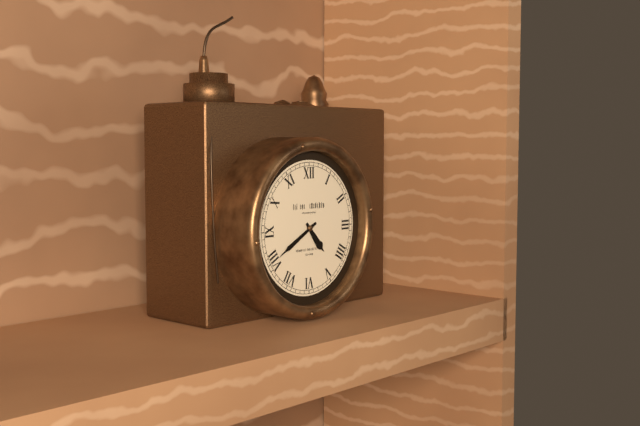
4:40
